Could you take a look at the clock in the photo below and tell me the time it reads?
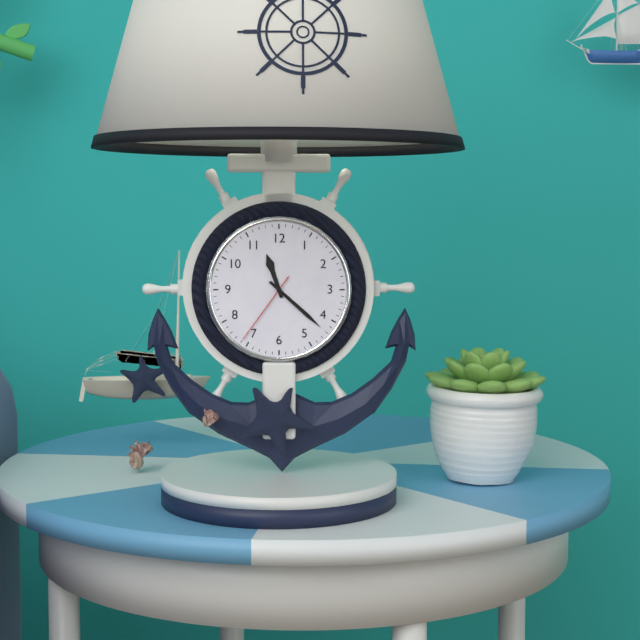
11:22:36
